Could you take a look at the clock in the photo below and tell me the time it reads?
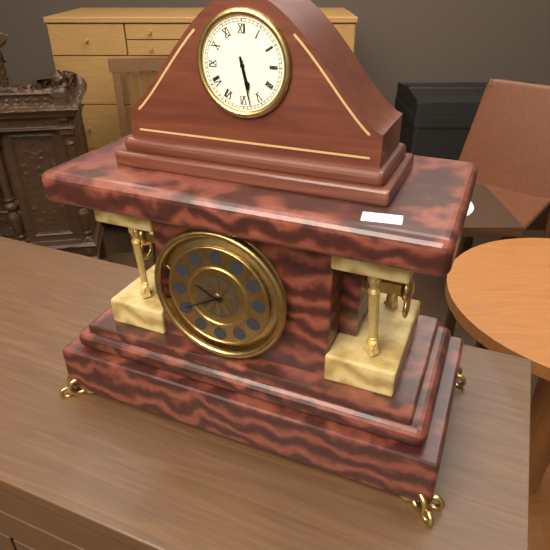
5:28
